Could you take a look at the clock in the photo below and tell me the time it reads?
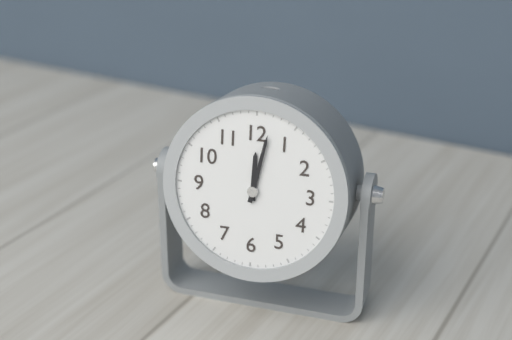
12:02
